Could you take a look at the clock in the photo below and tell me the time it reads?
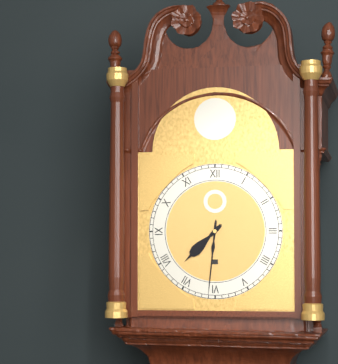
7:31
